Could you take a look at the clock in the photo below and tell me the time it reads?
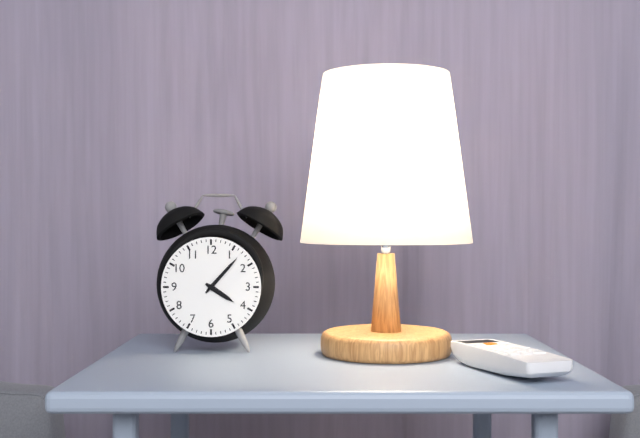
4:07
